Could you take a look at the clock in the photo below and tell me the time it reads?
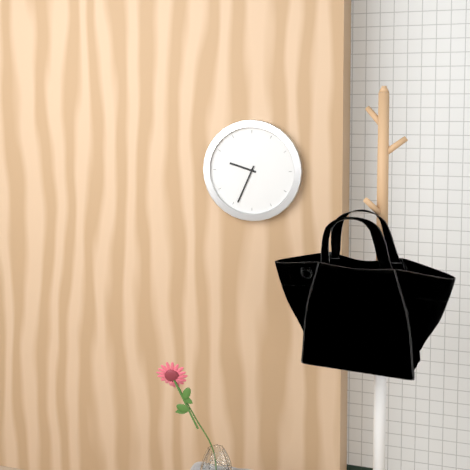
9:34
